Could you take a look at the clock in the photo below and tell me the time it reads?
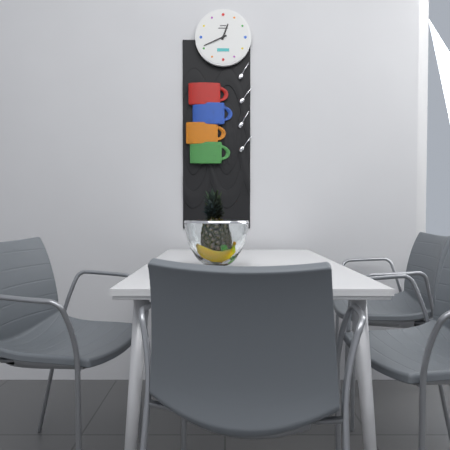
12:41
